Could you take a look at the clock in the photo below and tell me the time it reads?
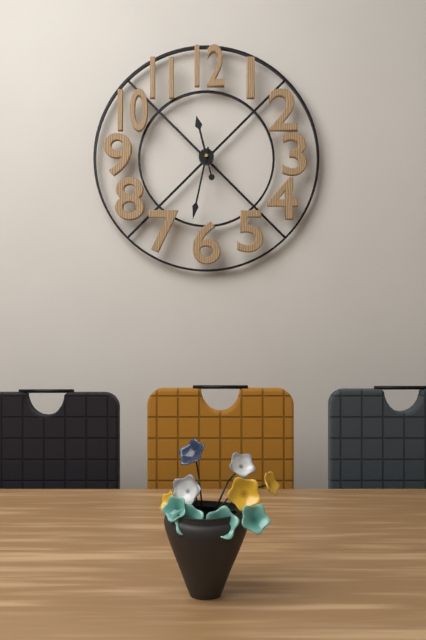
11:32
